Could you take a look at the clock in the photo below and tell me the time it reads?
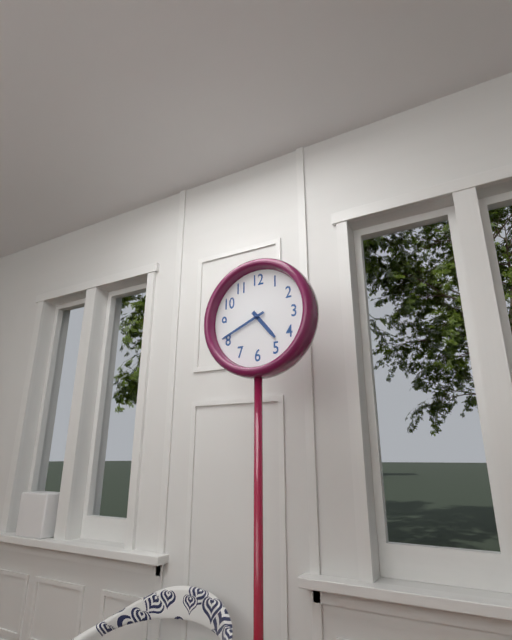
4:41
